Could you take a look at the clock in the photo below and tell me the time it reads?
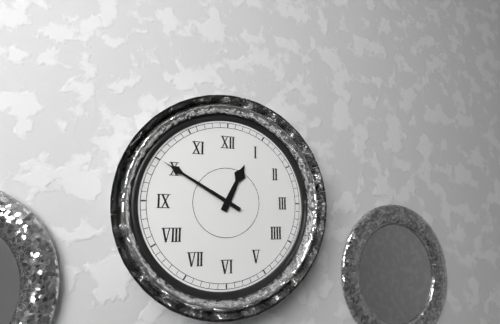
12:50
